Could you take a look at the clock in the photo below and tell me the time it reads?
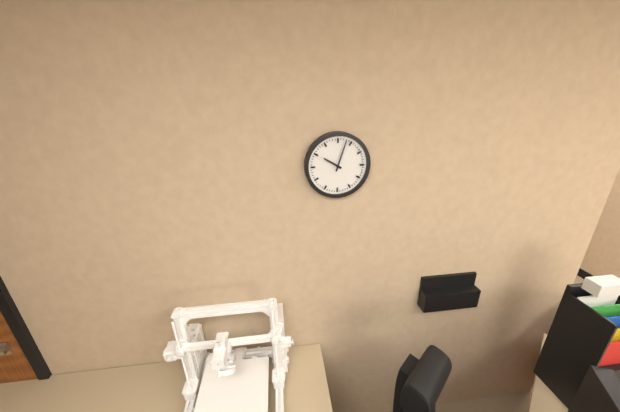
10:03
